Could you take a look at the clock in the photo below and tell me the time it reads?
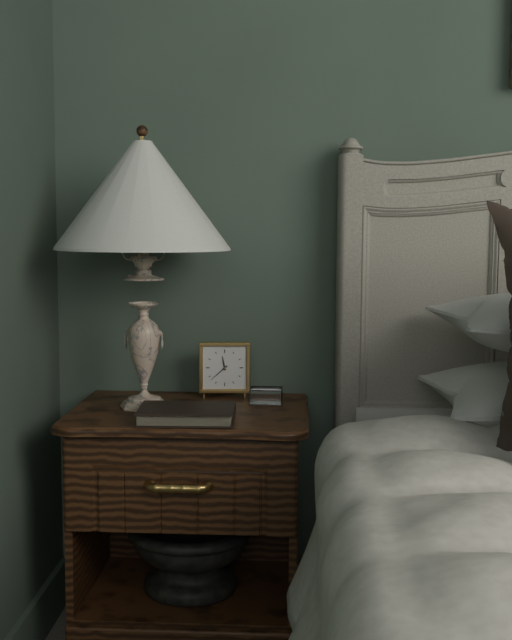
11:38
